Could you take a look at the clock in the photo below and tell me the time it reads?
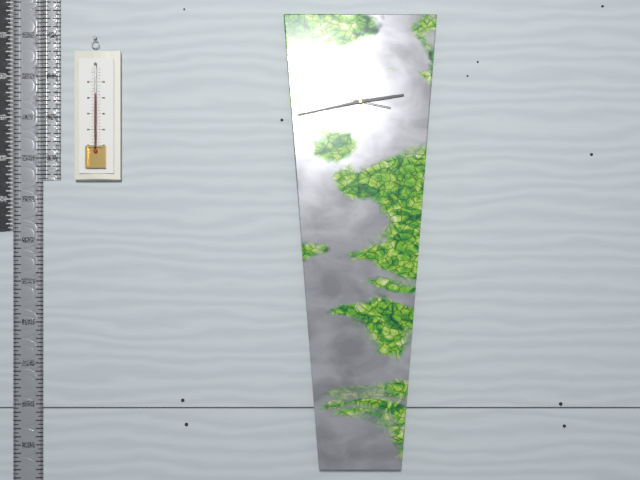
2:43:47
